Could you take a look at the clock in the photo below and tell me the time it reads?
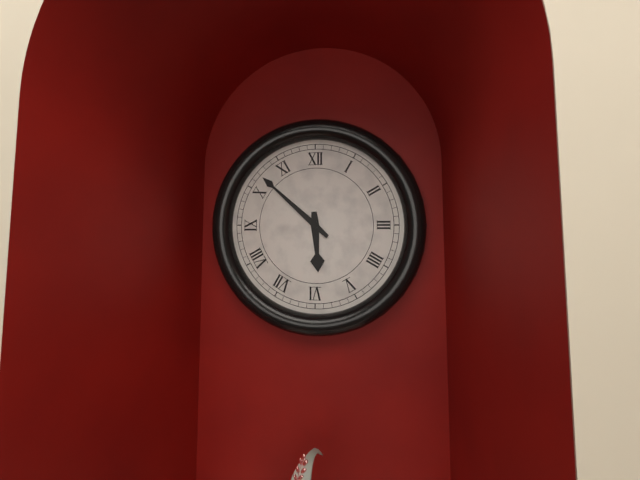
5:52
